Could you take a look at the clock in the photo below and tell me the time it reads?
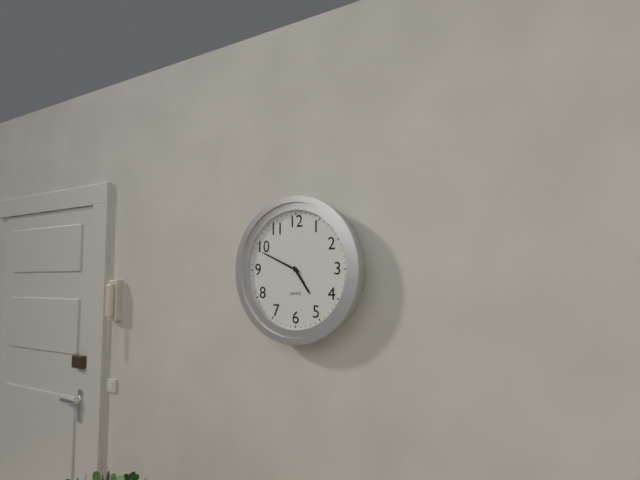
4:49
